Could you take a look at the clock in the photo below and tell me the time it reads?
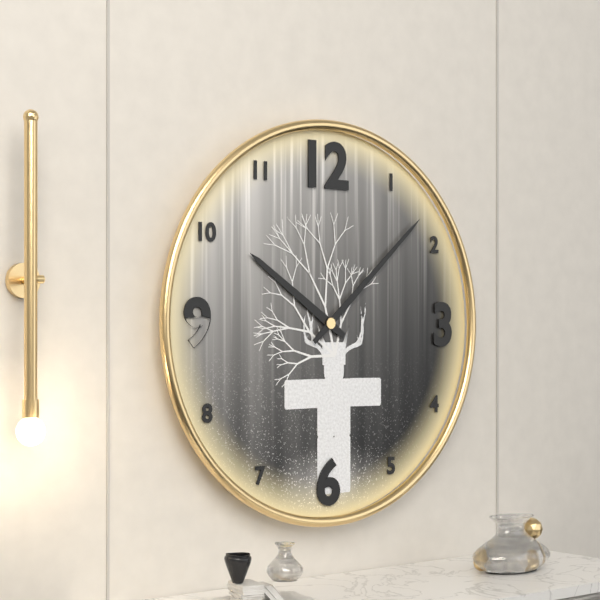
10:08
